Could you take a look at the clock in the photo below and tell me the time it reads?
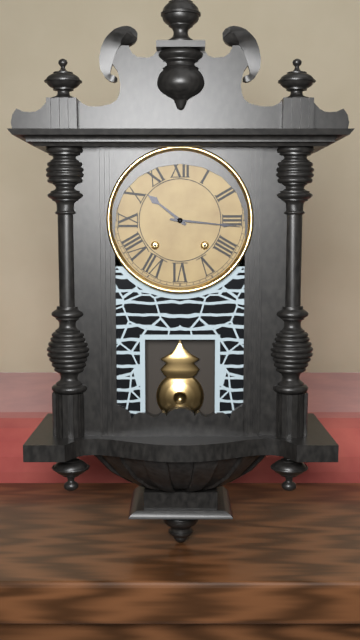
10:16
